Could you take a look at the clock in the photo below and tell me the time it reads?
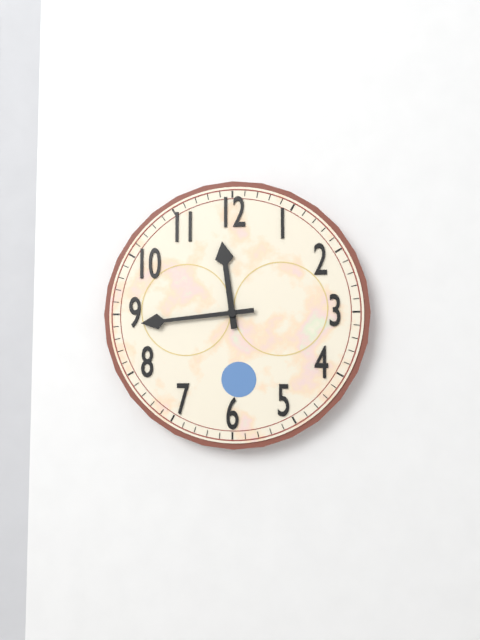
11:44
